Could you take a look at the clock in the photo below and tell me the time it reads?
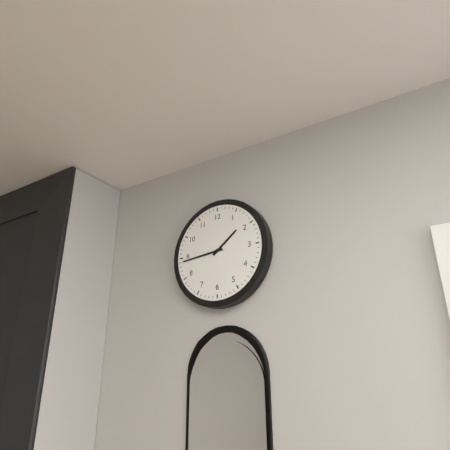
1:44
